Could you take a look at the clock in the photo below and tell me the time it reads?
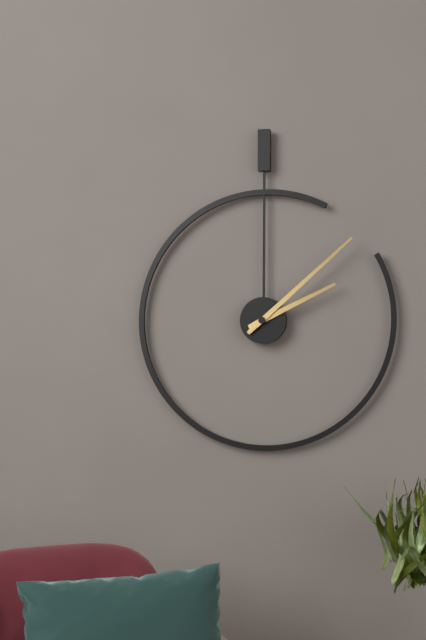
2:08
